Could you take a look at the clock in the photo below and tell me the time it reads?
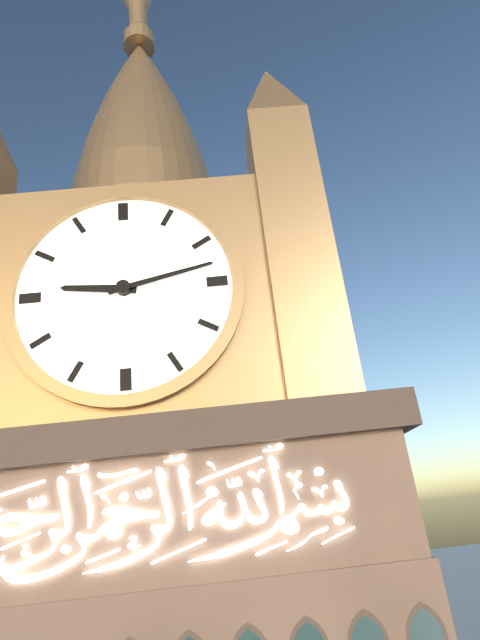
9:13
